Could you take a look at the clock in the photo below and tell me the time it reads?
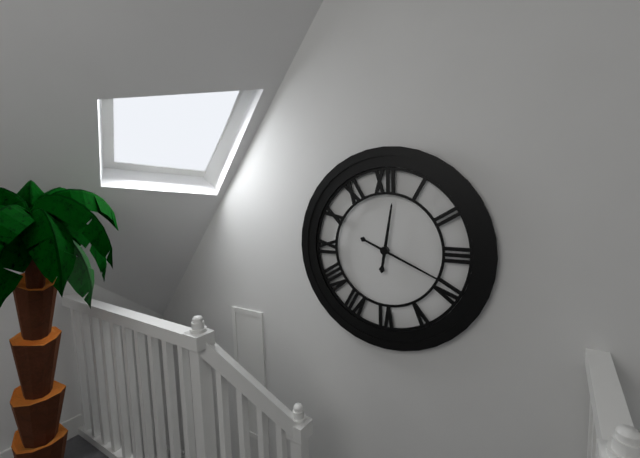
12:19
